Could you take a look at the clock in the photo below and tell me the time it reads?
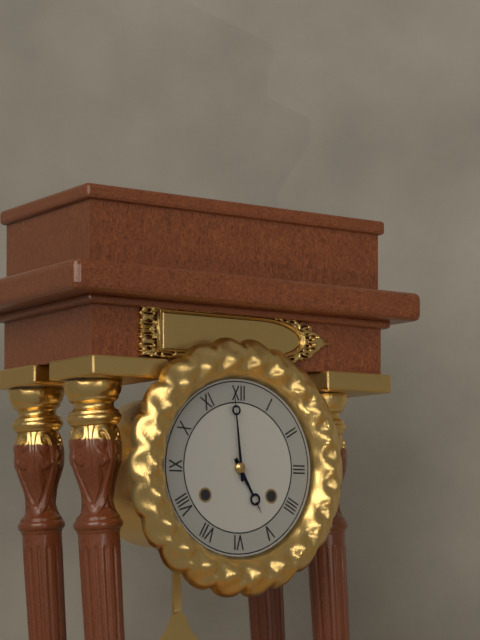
4:59
